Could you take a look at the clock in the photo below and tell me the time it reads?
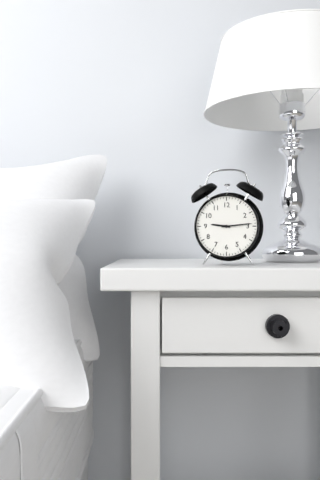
9:14
